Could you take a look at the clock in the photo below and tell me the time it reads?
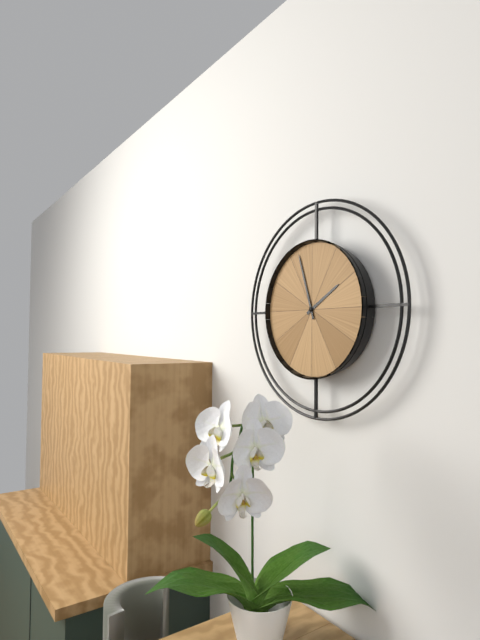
1:57
